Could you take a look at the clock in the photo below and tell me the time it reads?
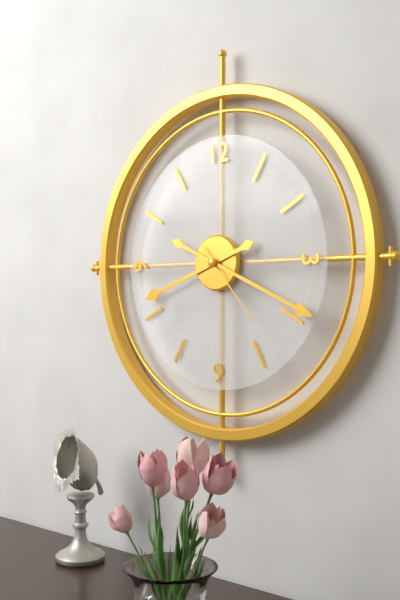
8:19:23
